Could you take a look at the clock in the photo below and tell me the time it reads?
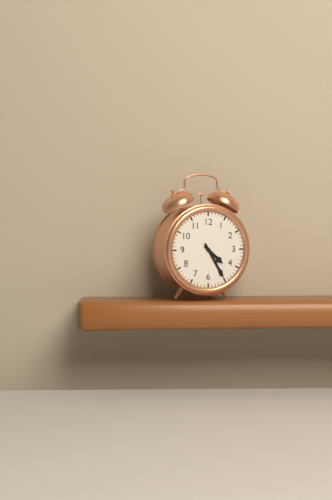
4:25
